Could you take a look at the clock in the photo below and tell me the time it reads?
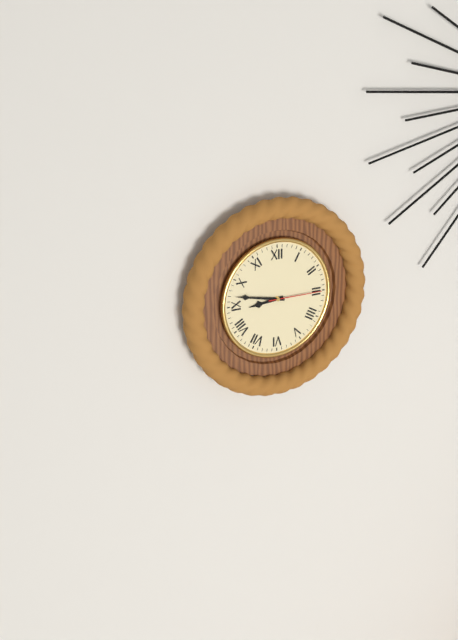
8:47:15
